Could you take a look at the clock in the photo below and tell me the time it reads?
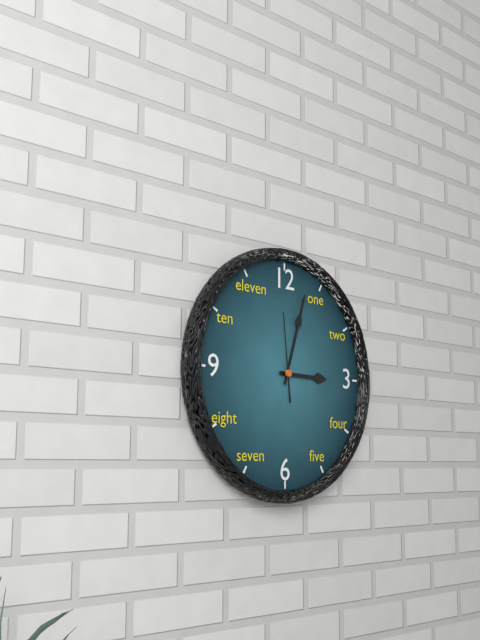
3:03:59
